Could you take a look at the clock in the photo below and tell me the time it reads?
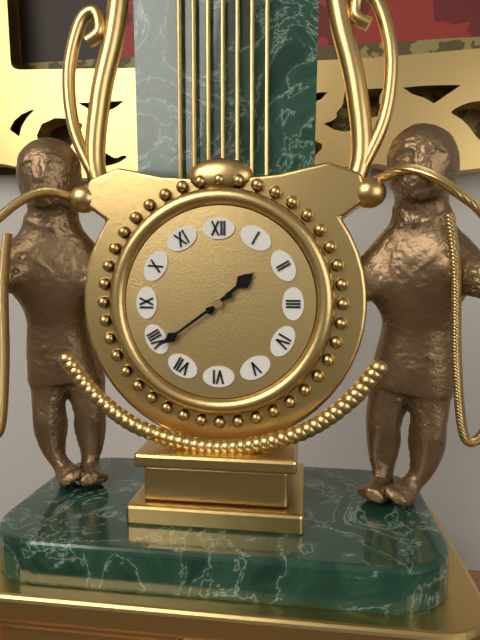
1:39
